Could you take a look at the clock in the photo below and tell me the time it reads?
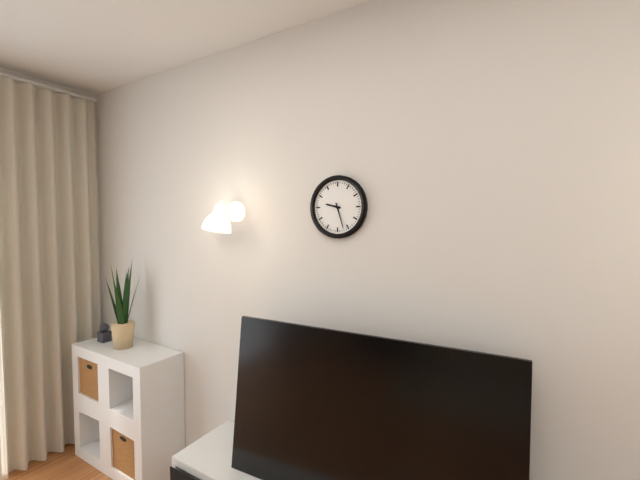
9:27
